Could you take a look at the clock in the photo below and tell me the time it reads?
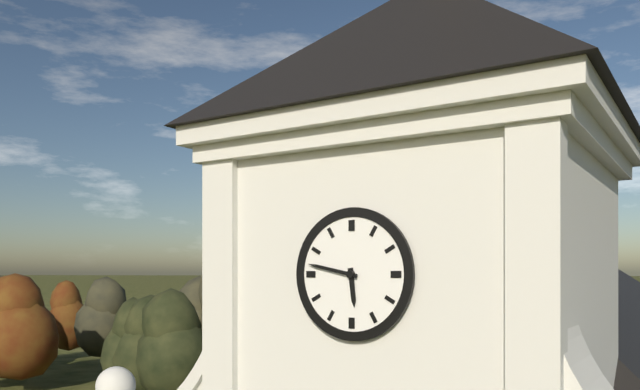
5:47
